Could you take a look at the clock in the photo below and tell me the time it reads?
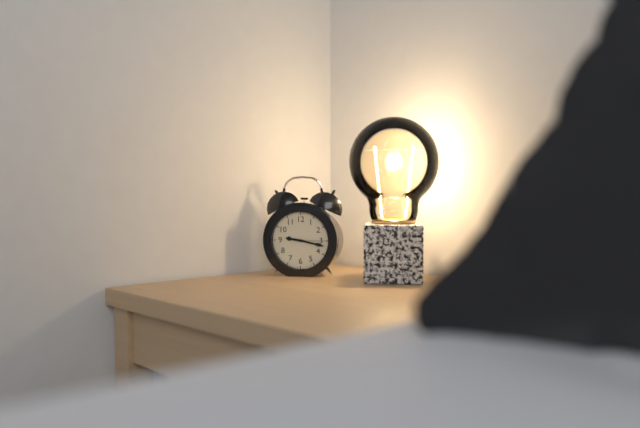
9:17
